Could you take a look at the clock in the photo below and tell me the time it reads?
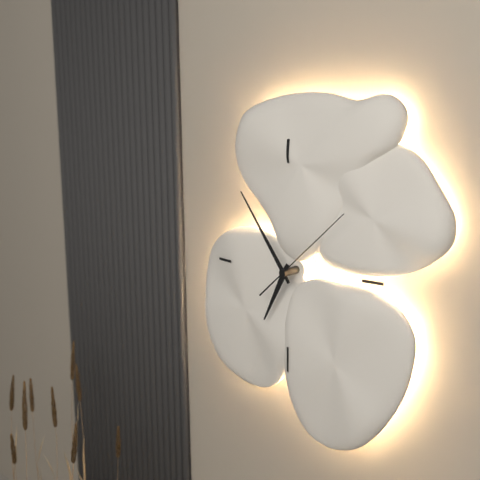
6:54:08
